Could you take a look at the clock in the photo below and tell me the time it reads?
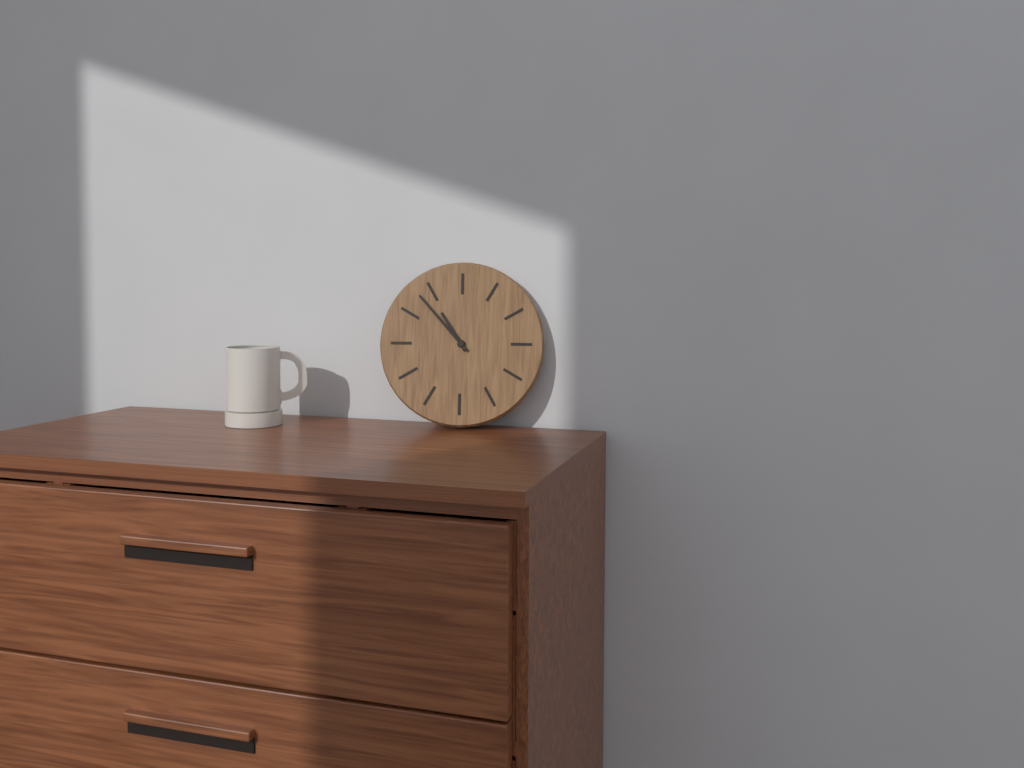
10:53
